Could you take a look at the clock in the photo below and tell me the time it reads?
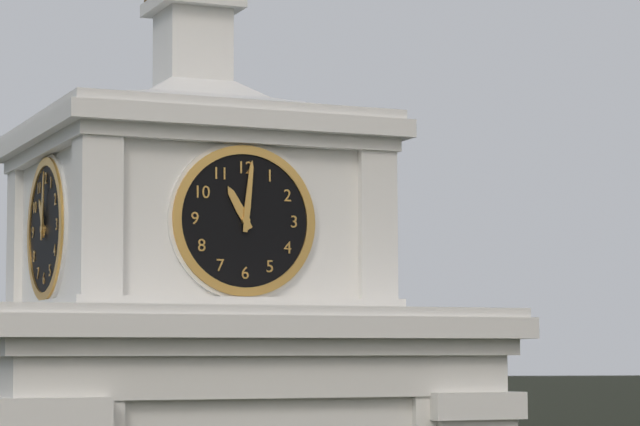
11:01
